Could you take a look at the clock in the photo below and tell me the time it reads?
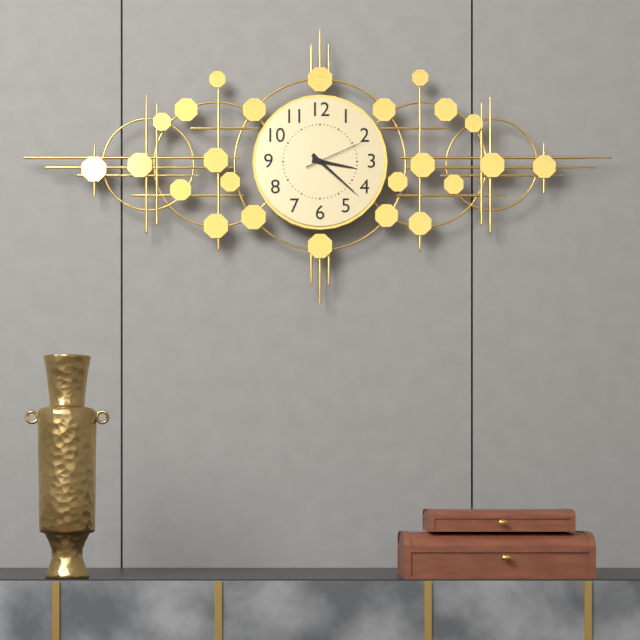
3:22:11
